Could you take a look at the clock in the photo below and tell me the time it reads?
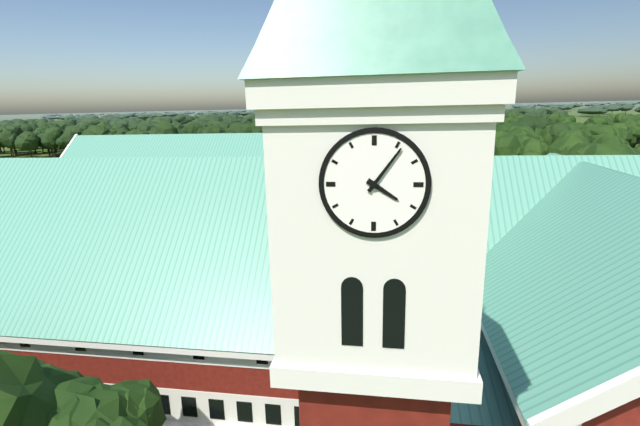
4:06
